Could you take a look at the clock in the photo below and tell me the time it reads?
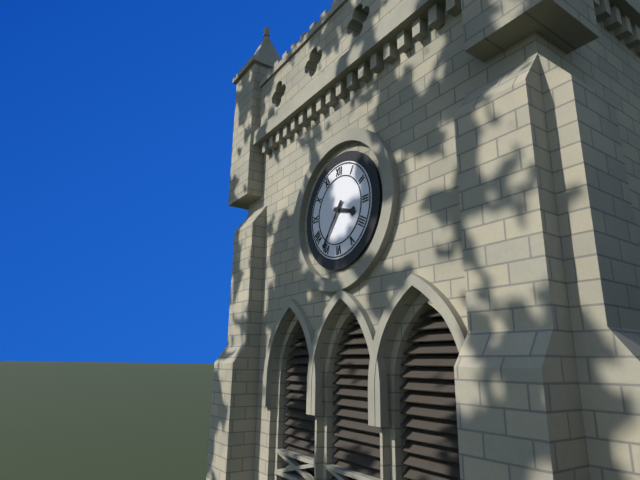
3:36
